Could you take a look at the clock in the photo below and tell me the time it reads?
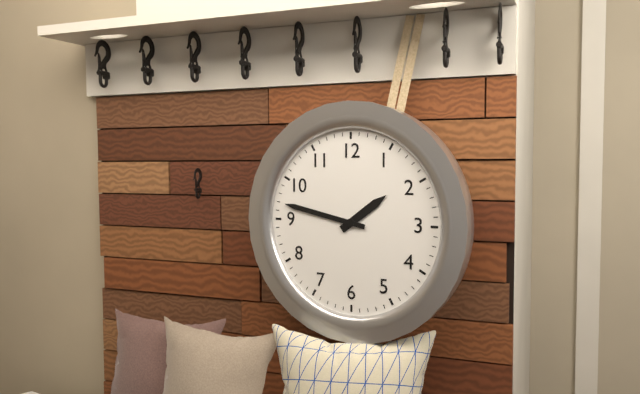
1:47
